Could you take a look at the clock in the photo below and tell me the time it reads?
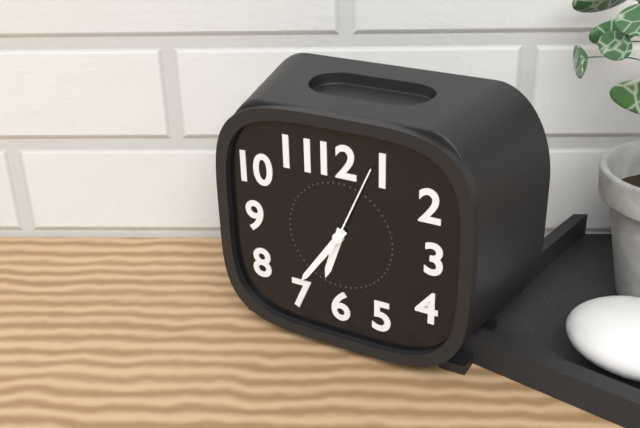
6:36:04
